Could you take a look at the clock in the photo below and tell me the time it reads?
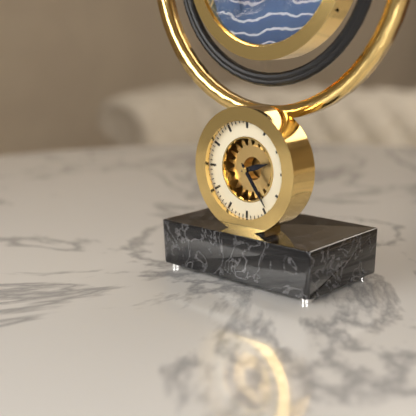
2:24
